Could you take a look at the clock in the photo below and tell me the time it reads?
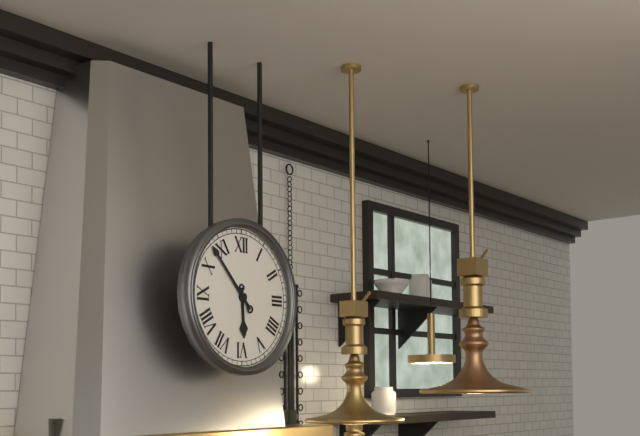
5:53
